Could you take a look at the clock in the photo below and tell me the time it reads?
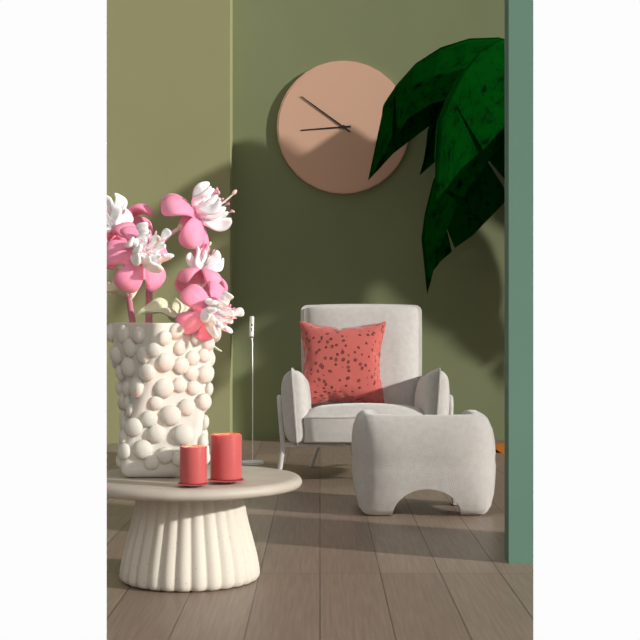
8:51
